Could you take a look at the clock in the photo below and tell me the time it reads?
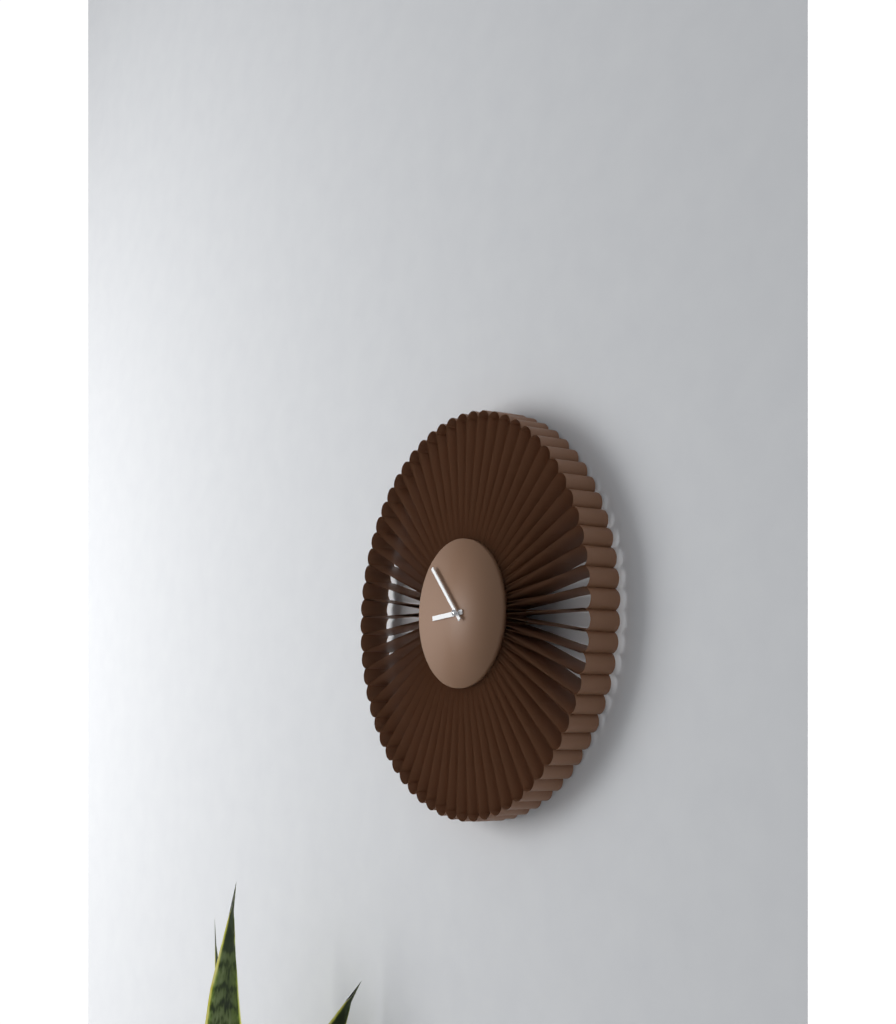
8:53
